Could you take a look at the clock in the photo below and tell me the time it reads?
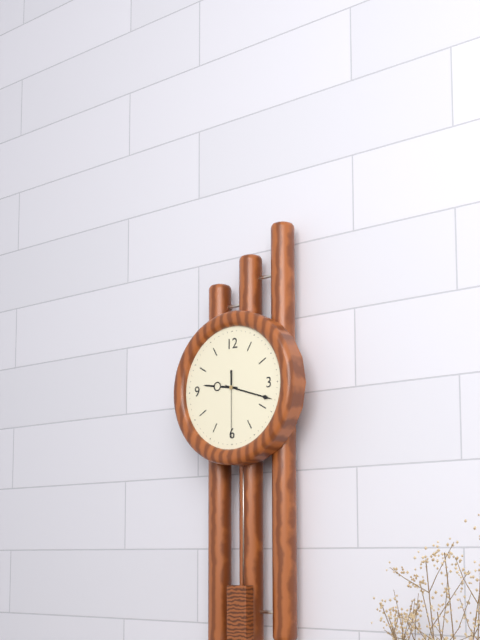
9:18:30
